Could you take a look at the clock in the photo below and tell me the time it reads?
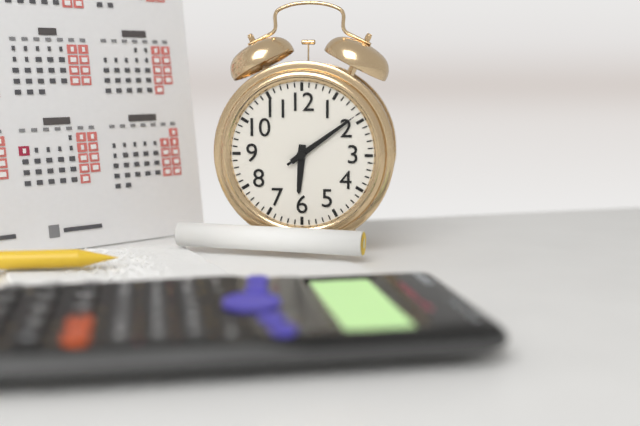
6:09:09
